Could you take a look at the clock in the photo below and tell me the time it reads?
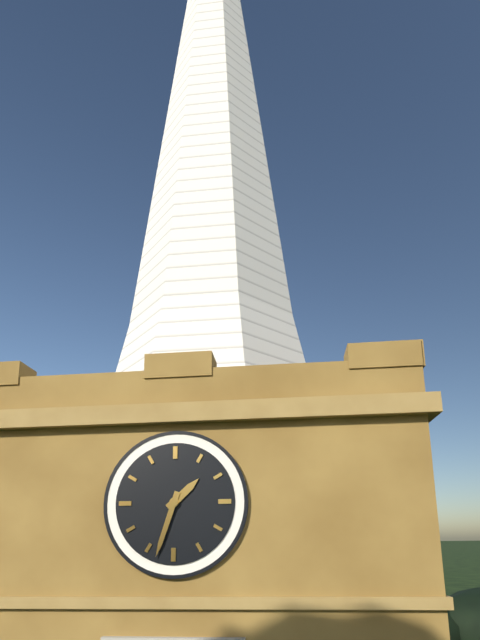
1:33
